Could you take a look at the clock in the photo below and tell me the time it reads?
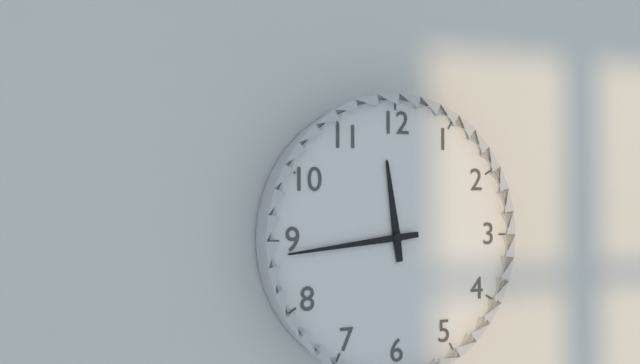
11:44
